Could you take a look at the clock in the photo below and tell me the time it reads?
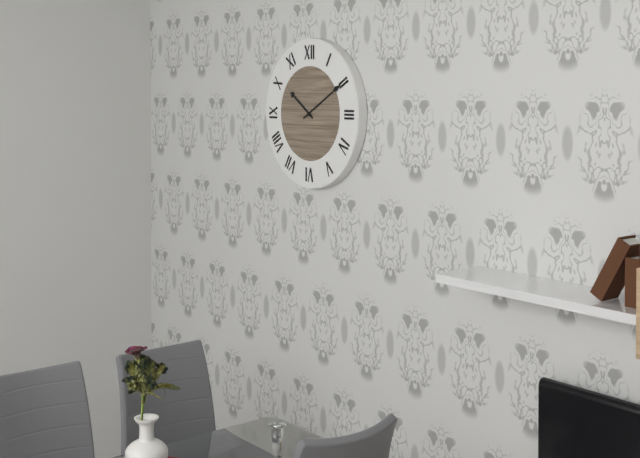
10:10
